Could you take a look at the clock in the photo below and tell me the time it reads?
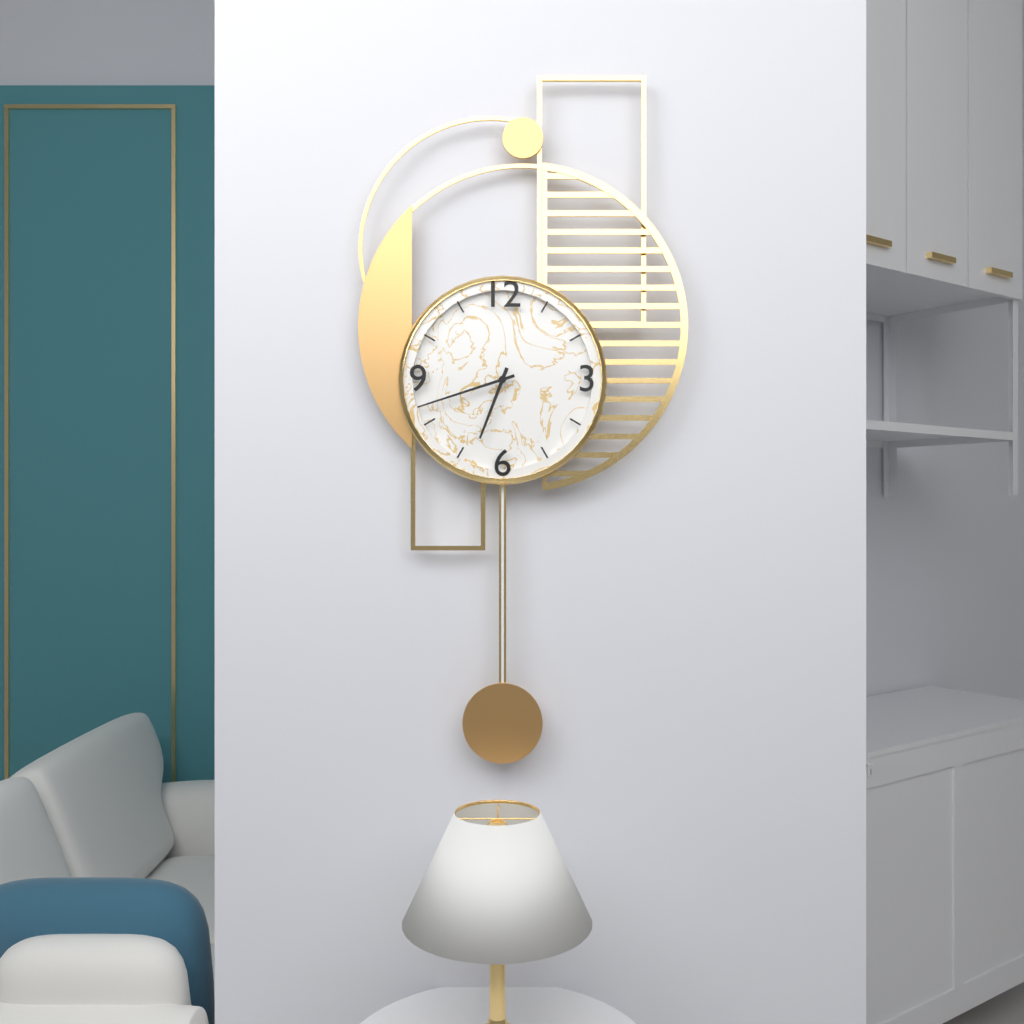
6:42
